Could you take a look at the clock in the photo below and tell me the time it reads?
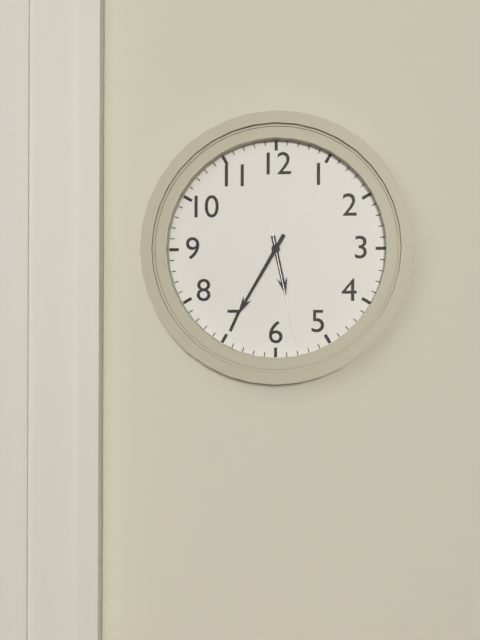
5:35:28
